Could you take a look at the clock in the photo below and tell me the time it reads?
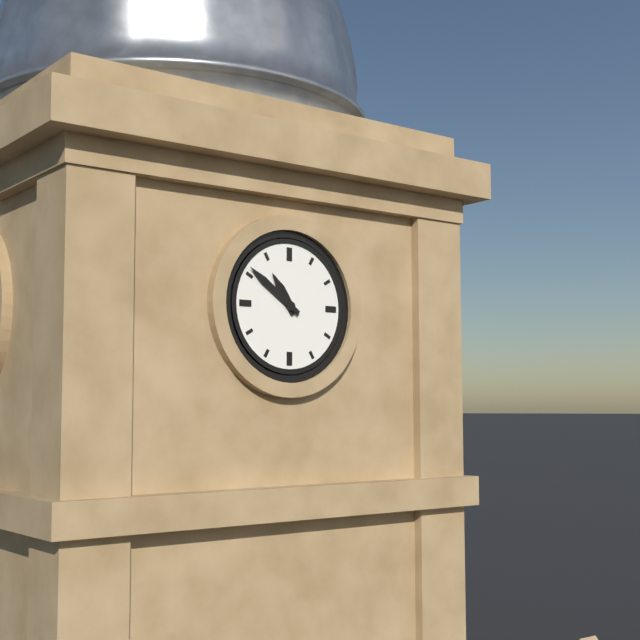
10:51
